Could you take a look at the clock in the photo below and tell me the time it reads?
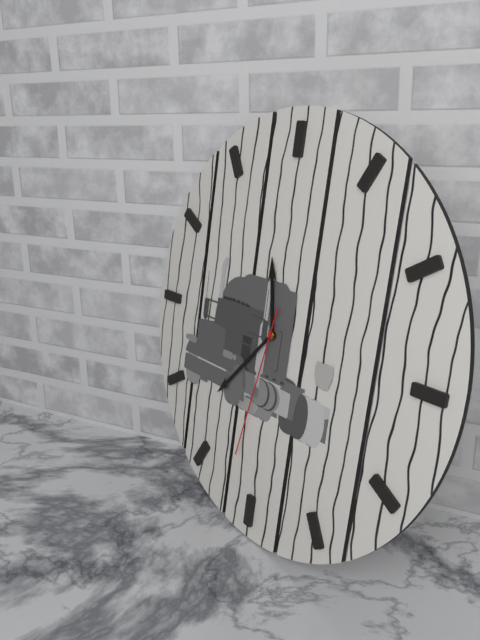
11:37:32
